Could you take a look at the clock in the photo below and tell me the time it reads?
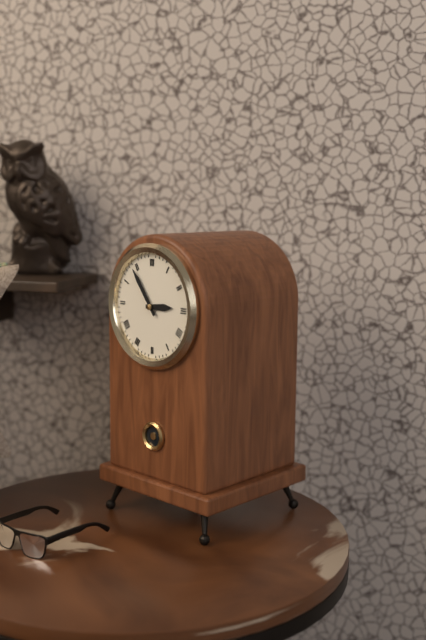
2:54
